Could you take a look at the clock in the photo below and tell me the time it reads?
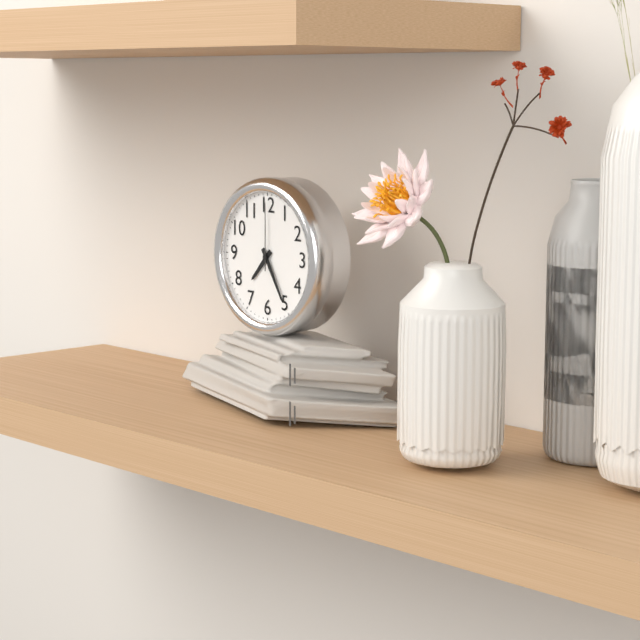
7:25:00
